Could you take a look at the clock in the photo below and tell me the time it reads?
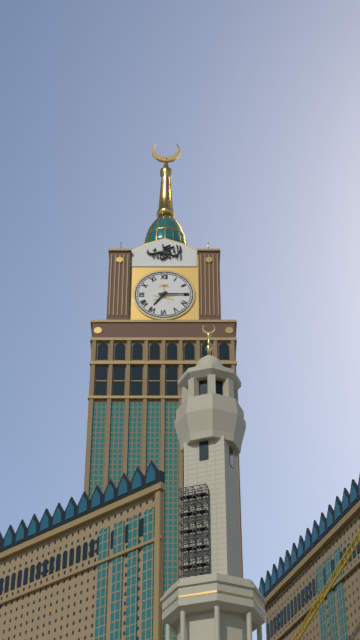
7:15
